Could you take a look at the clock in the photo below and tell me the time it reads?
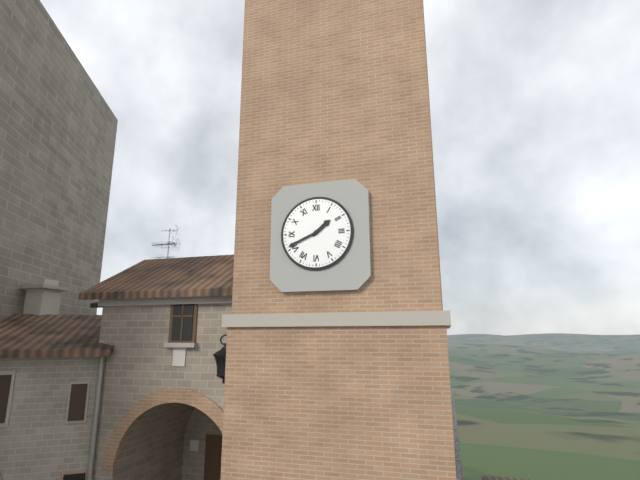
1:41
